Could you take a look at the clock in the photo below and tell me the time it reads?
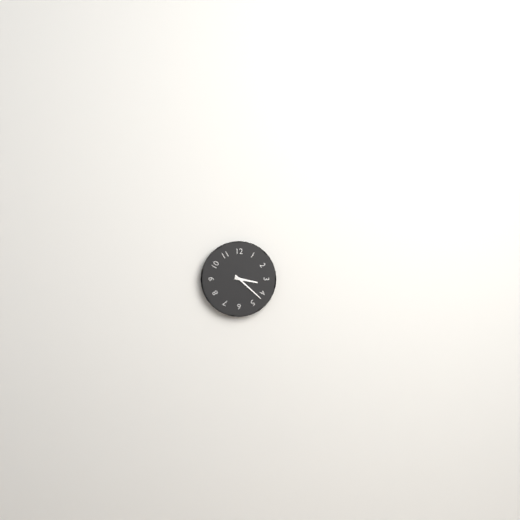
3:22
